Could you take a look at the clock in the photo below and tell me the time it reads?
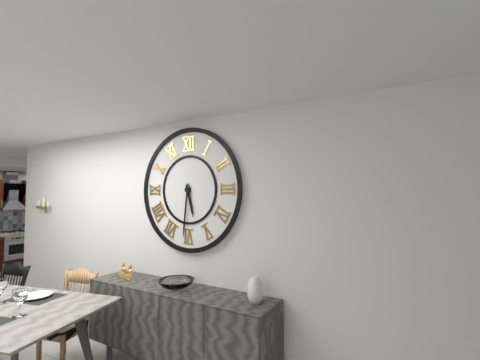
5:31
